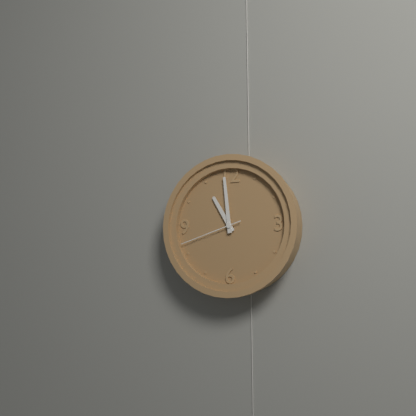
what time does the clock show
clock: 10:59:42
